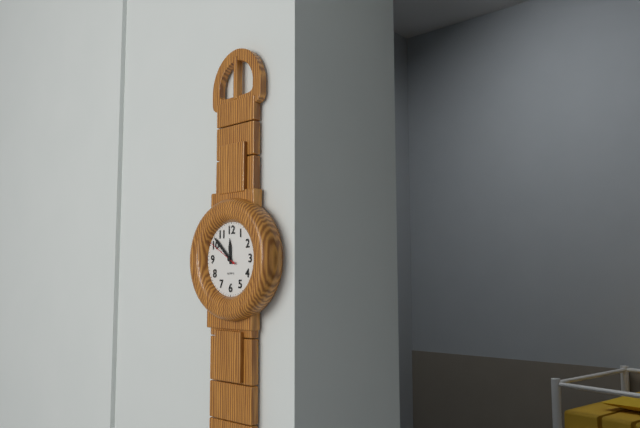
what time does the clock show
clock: 11:52
